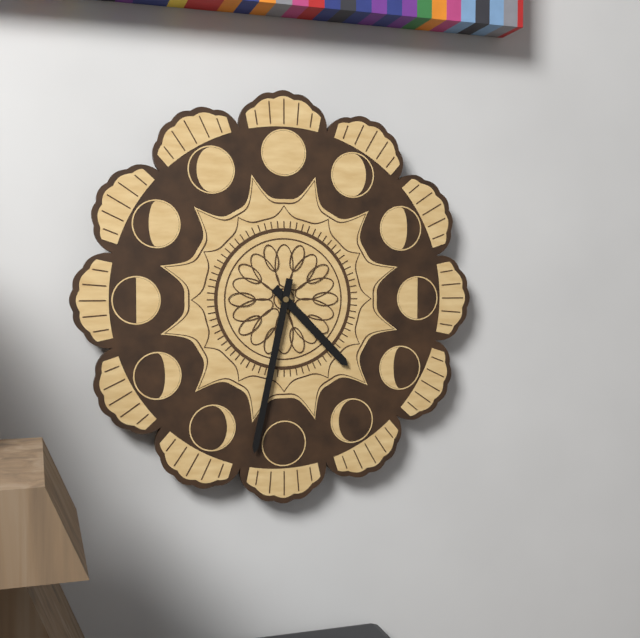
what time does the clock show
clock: 4:32
